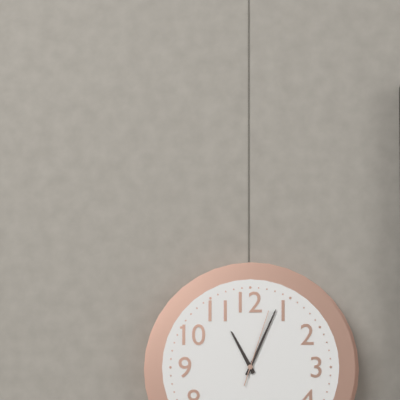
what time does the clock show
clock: 11:04:03
